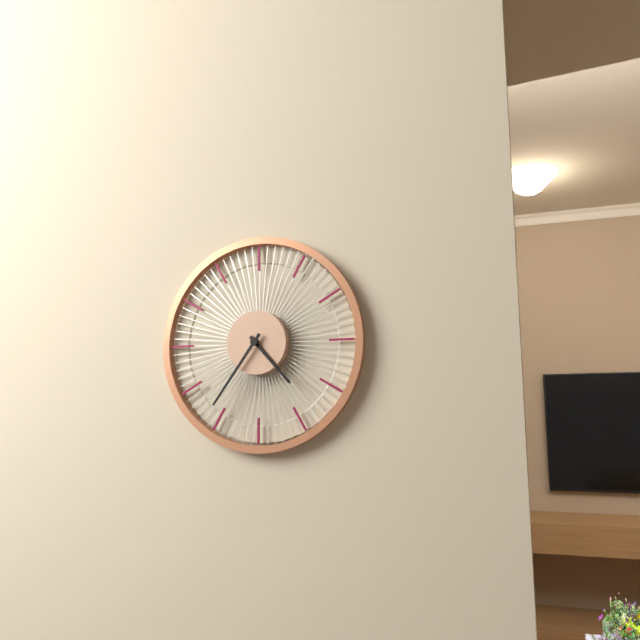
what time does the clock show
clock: 4:36
